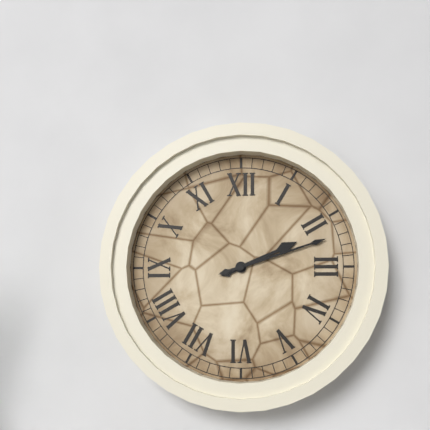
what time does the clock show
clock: 2:12
